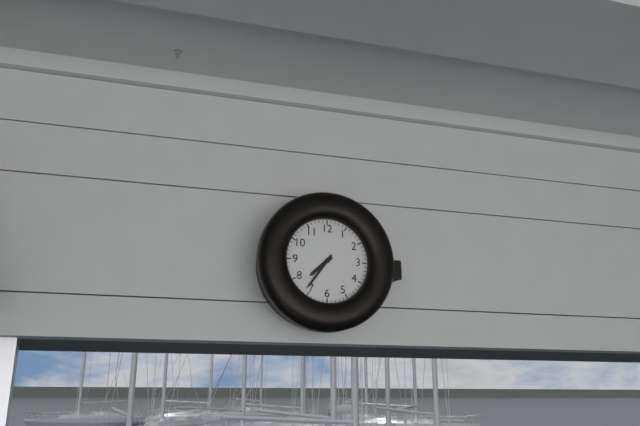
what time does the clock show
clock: 7:36
